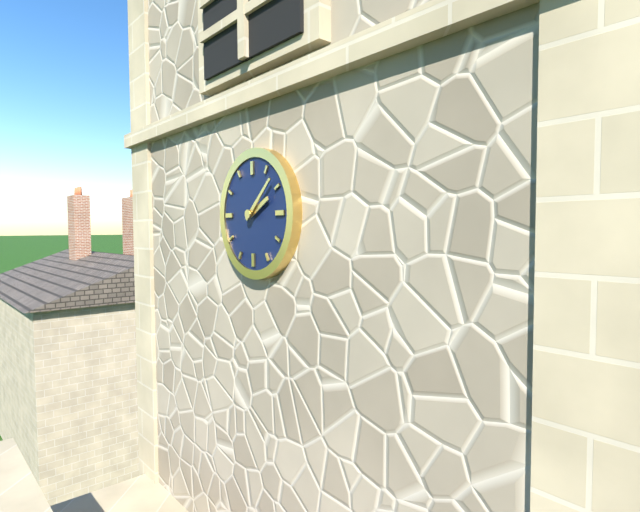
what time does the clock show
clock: 2:08
